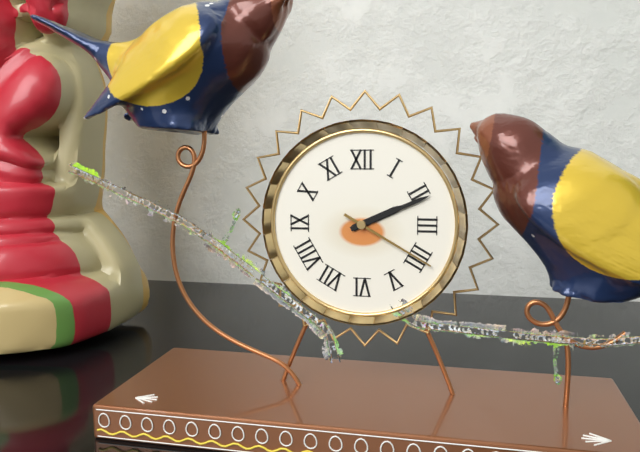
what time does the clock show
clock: 2:11:20
